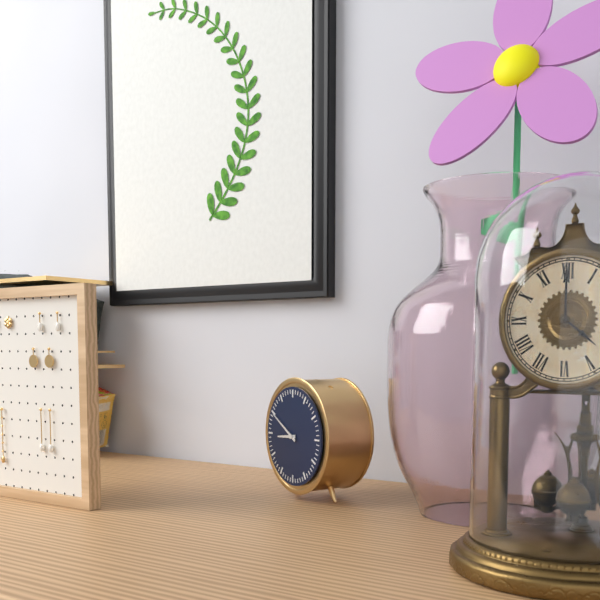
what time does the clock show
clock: 8:50
